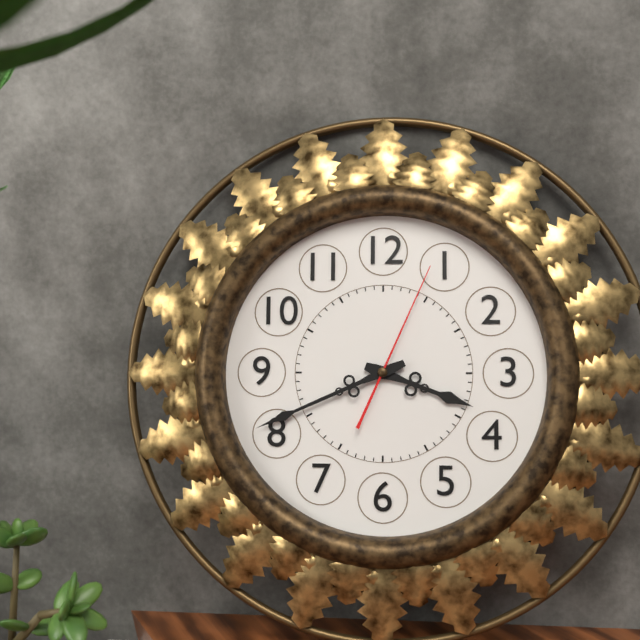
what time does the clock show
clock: 3:41:04
